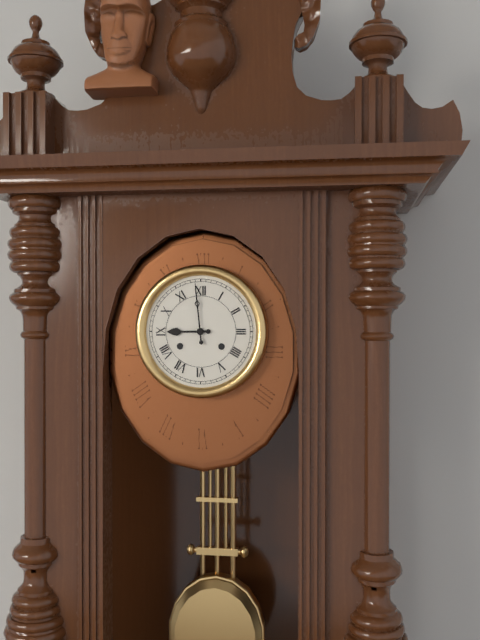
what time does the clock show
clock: 8:59
